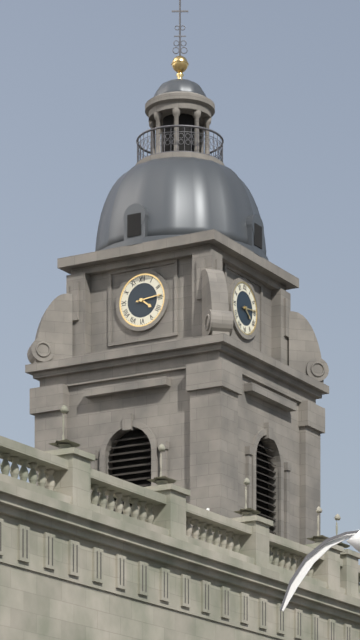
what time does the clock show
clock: 4:14
